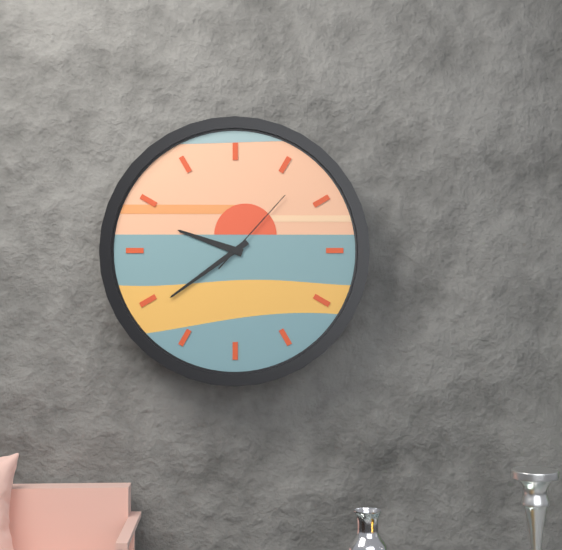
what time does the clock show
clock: 9:39:07
